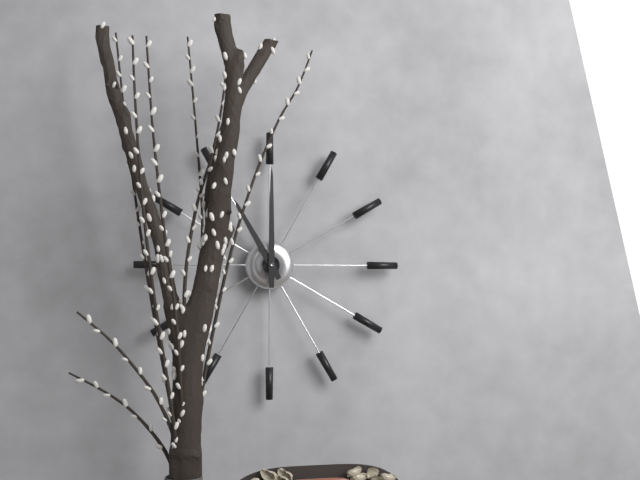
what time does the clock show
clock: 11:00
